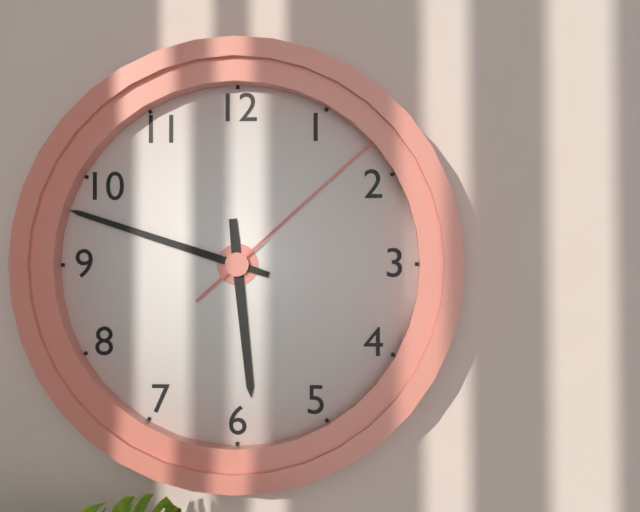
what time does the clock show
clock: 5:48:08
